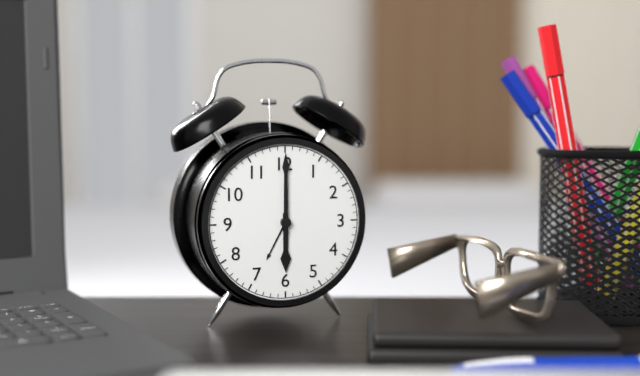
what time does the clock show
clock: 6:00
